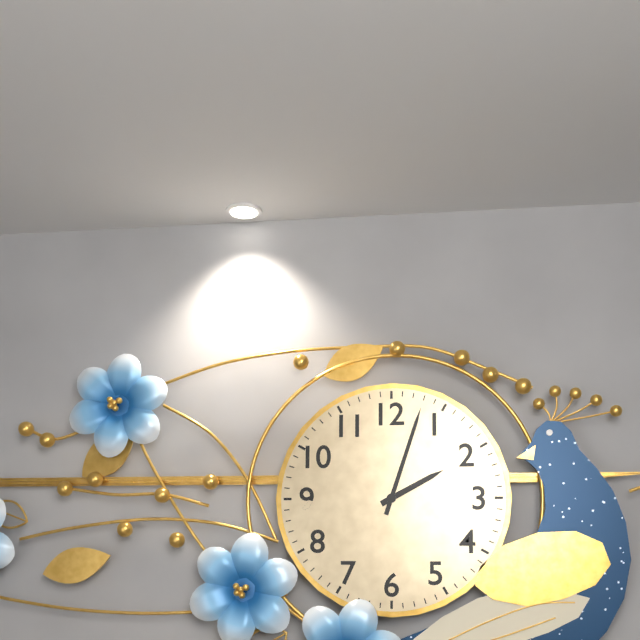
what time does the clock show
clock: 2:03
